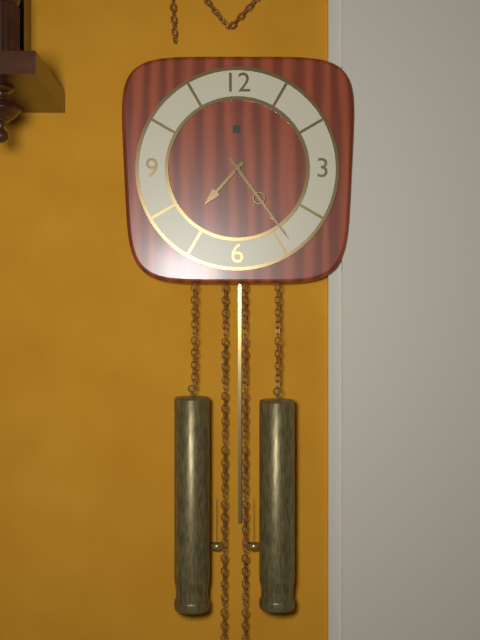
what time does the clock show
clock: 7:24
